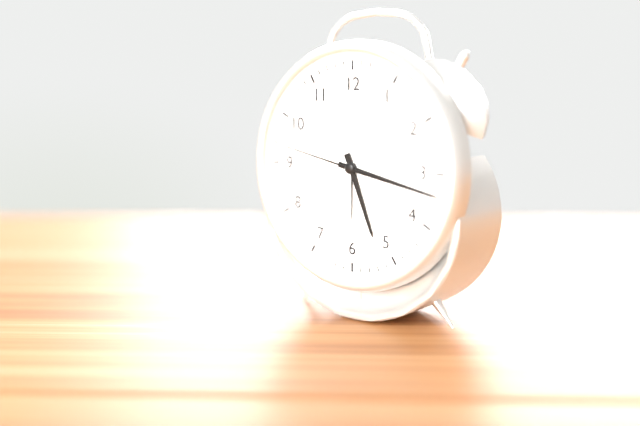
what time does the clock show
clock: 5:17:47
